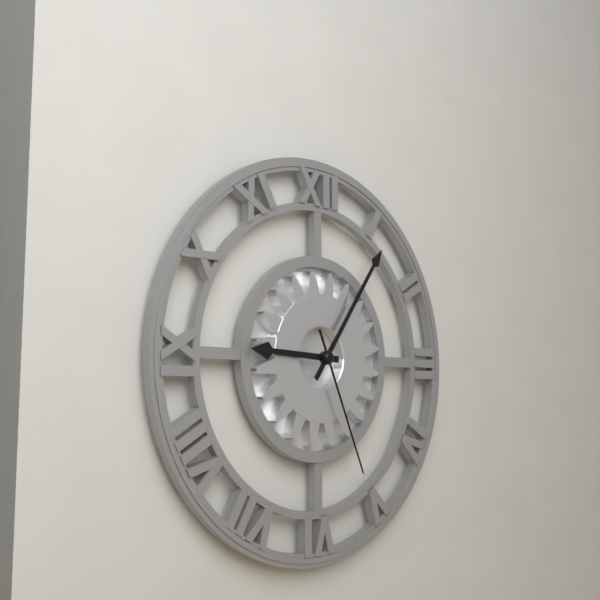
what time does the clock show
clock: 9:06:26
